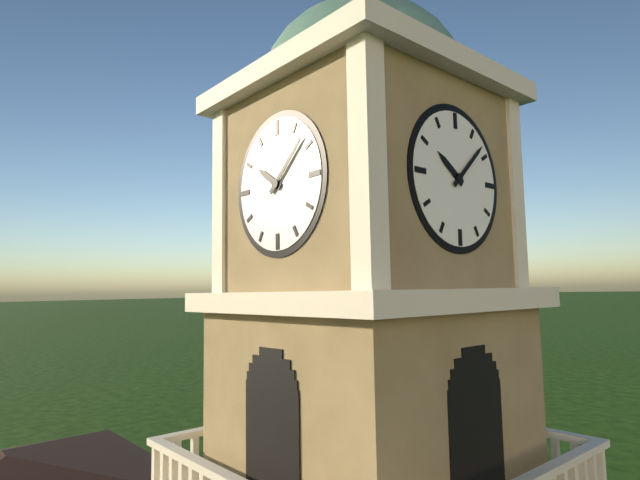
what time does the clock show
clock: 10:08
